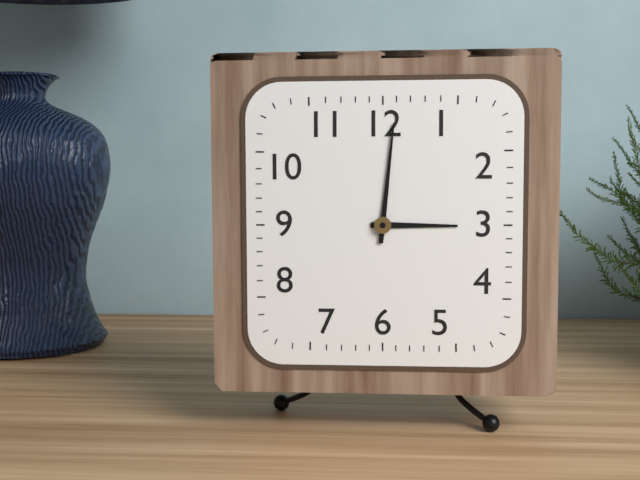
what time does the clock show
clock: 3:01
